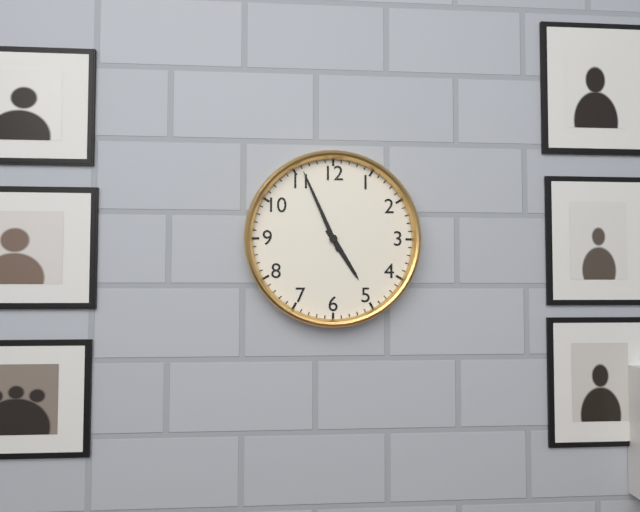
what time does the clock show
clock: 4:56
